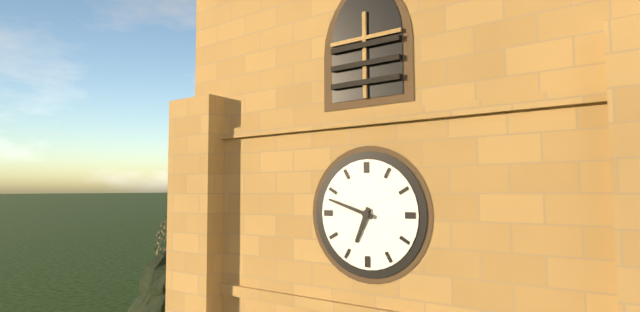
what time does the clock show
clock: 6:48
